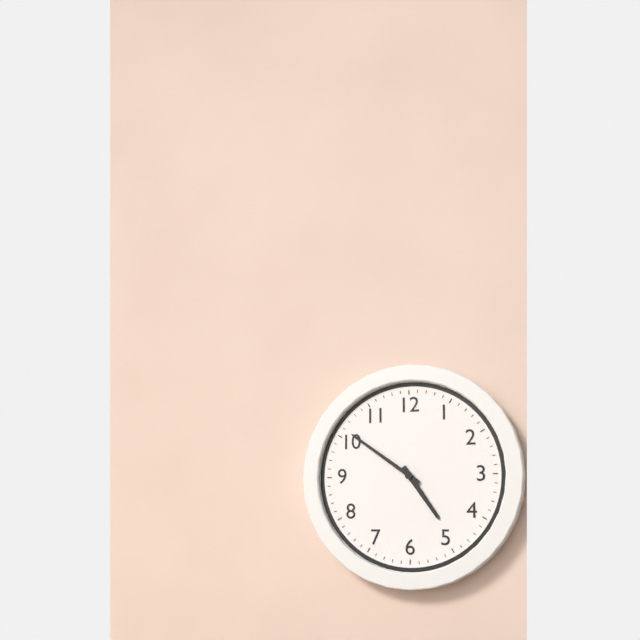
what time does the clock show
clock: 4:51
